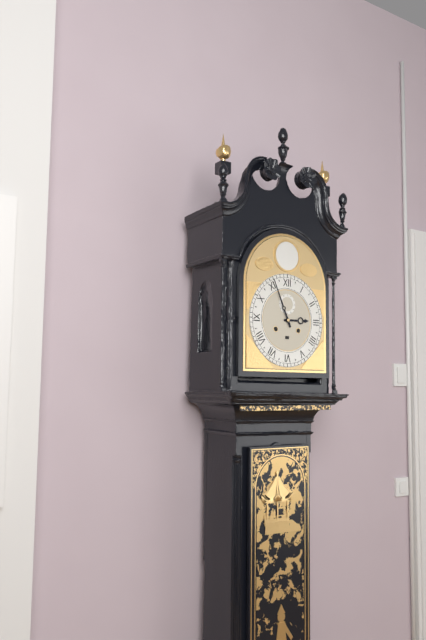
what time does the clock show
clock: 2:56
